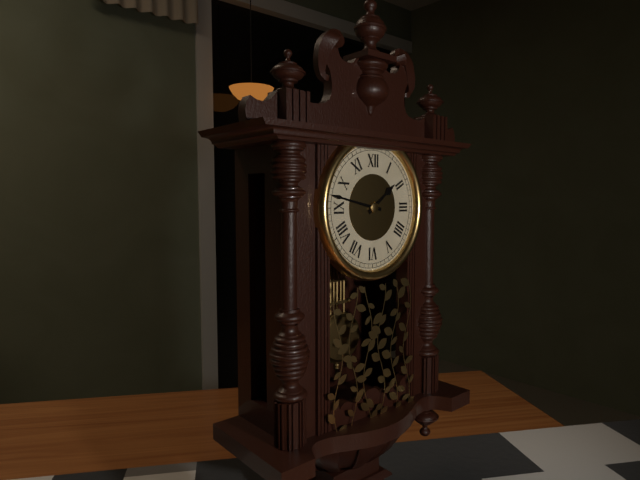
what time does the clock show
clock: 1:47
